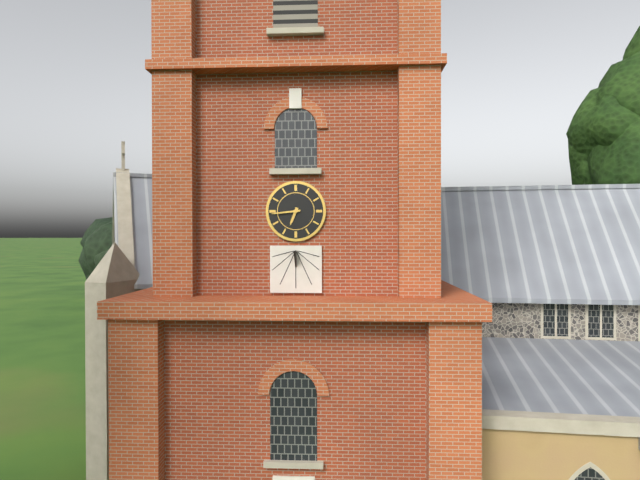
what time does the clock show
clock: 6:44
